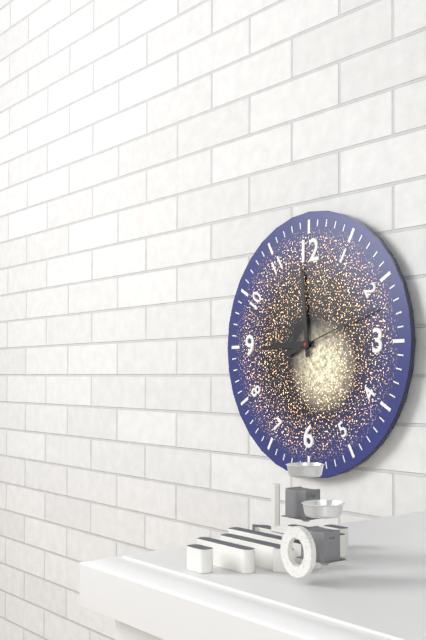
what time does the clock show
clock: 8:59:12
